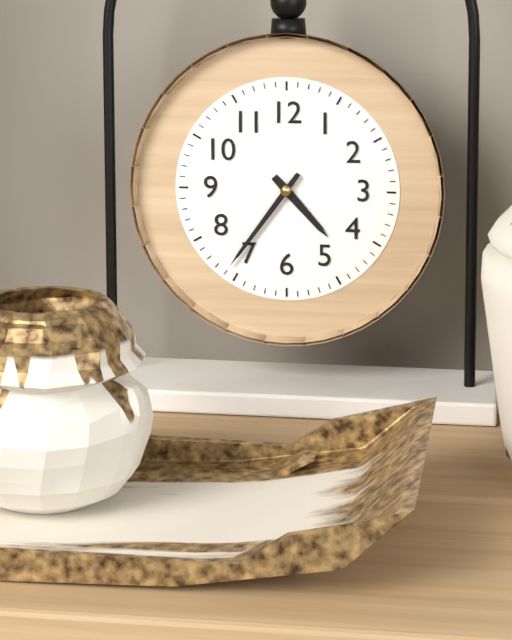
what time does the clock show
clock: 4:36
